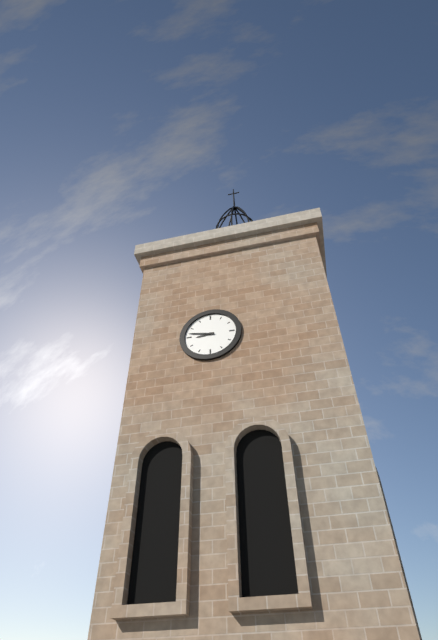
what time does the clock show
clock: 8:47
